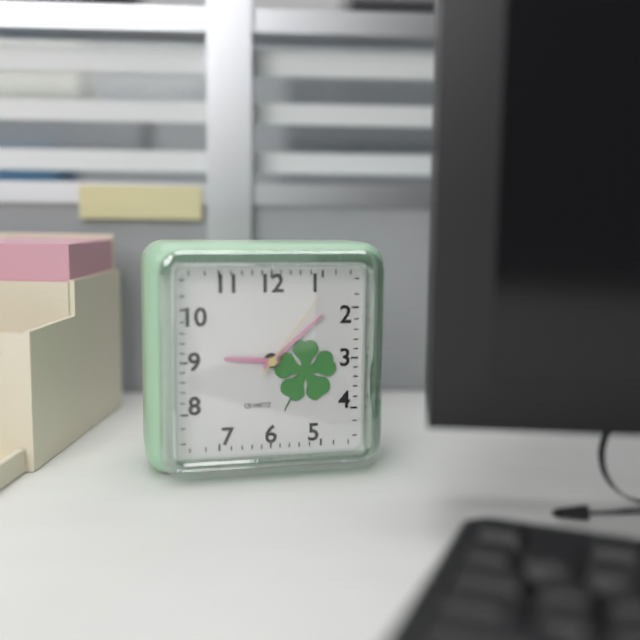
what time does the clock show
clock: 9:08:06
